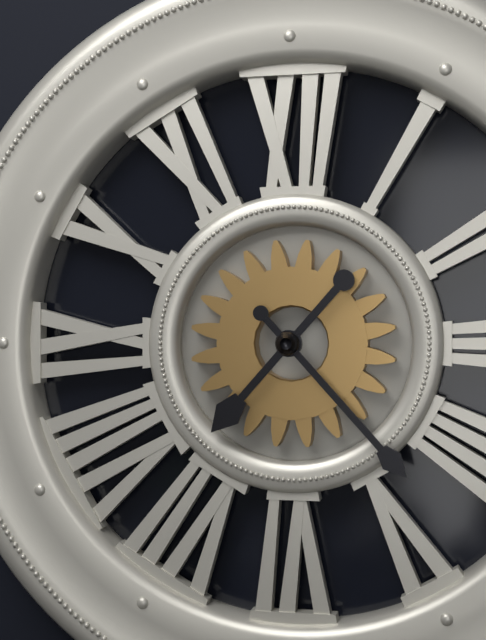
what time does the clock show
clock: 7:23
